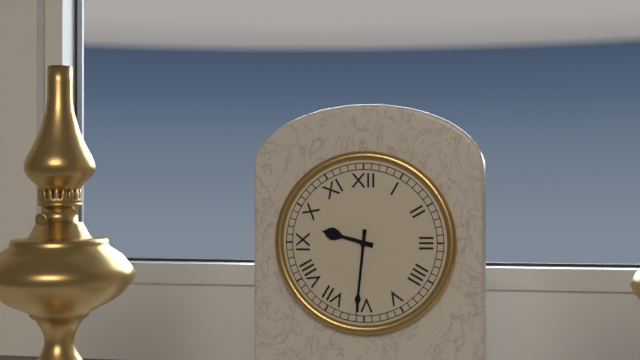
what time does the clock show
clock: 9:31
